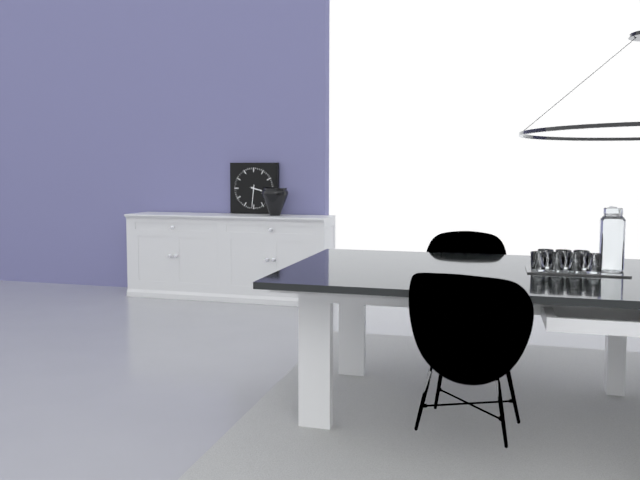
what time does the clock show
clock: 3:31
